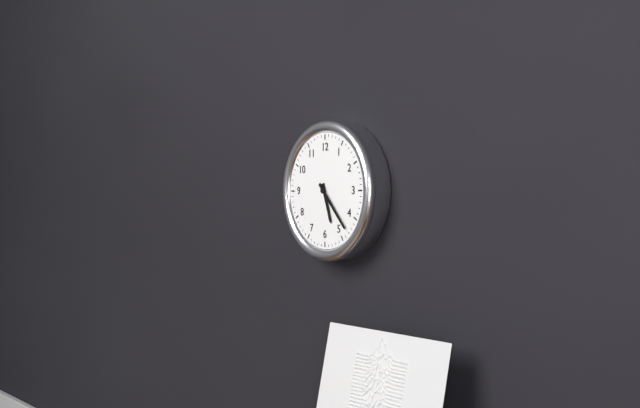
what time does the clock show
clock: 5:23
